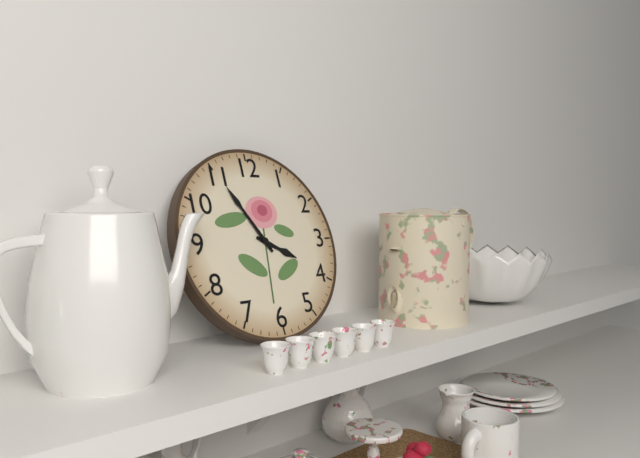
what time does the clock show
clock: 3:55
